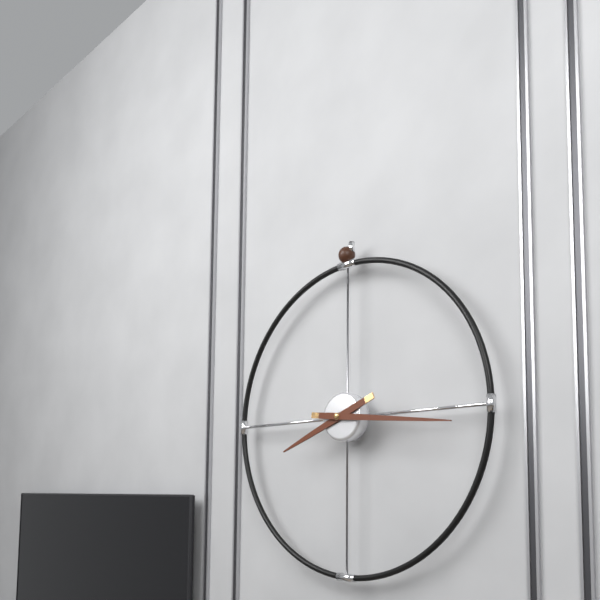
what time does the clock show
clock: 8:16
